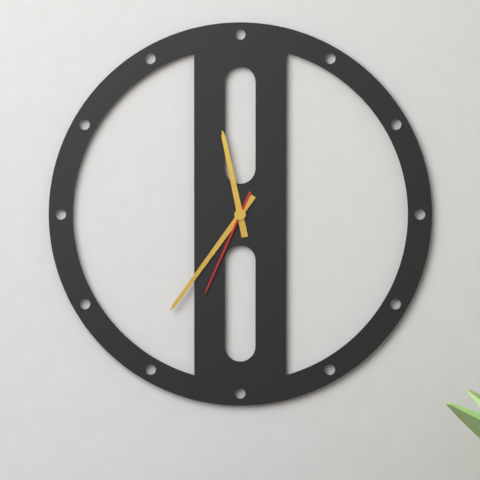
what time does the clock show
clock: 11:36:34
